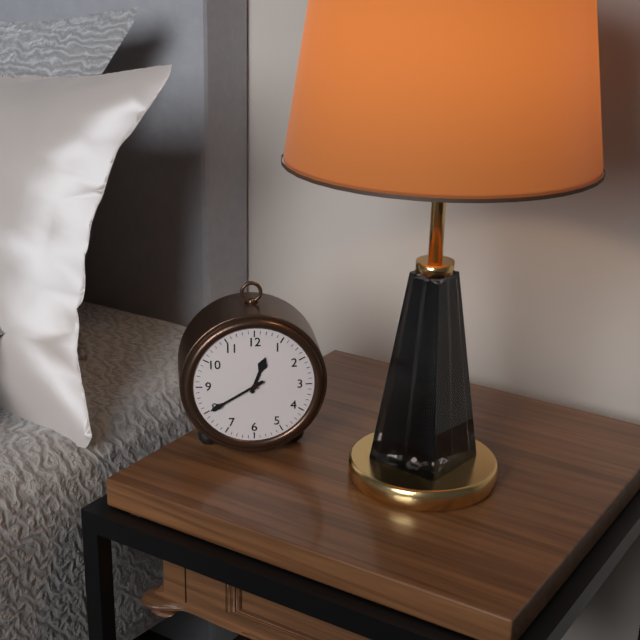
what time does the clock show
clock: 12:40
